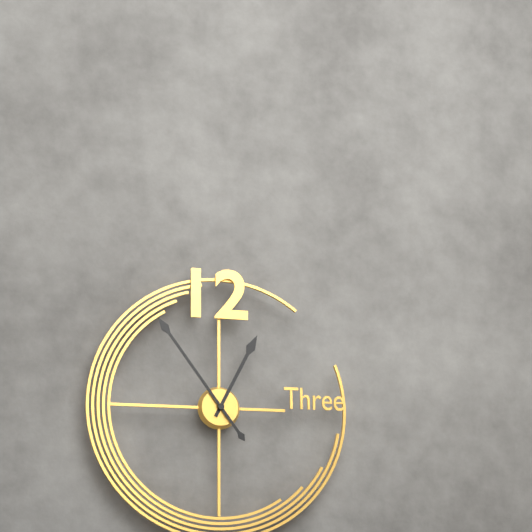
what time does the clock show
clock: 12:54
